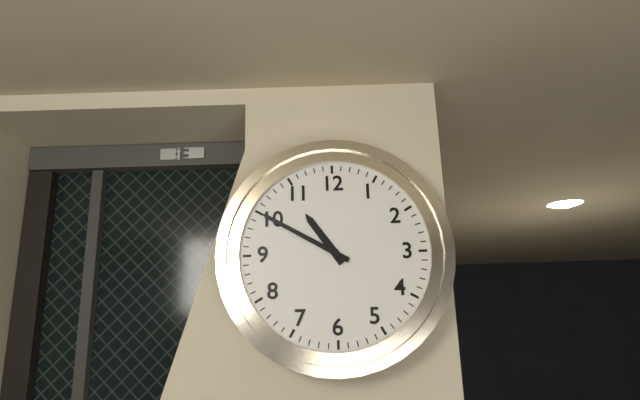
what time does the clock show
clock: 10:50
